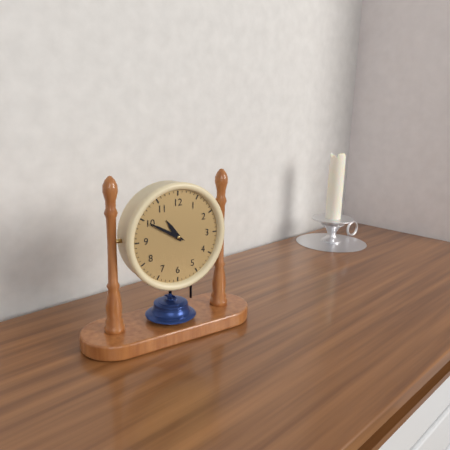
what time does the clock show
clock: 10:50
